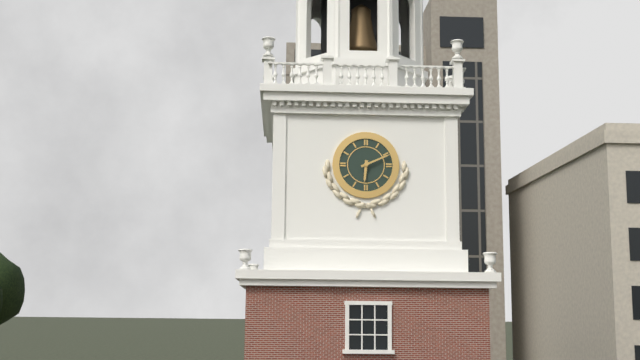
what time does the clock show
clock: 6:11
